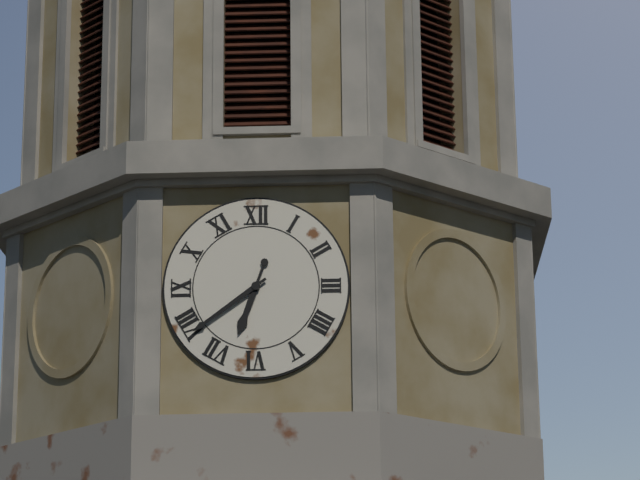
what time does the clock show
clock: 6:39
